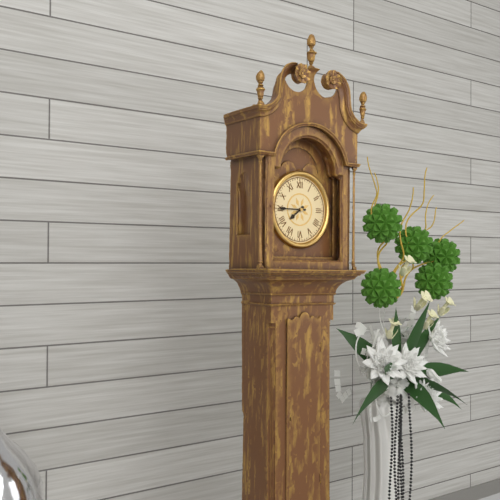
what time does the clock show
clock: 7:45
